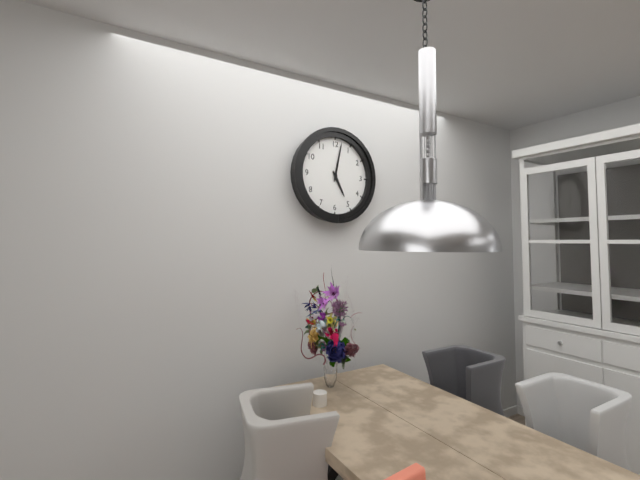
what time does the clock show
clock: 5:02
